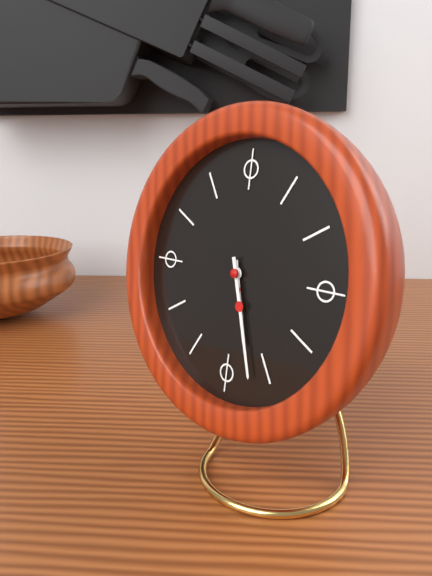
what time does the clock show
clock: 5:27
